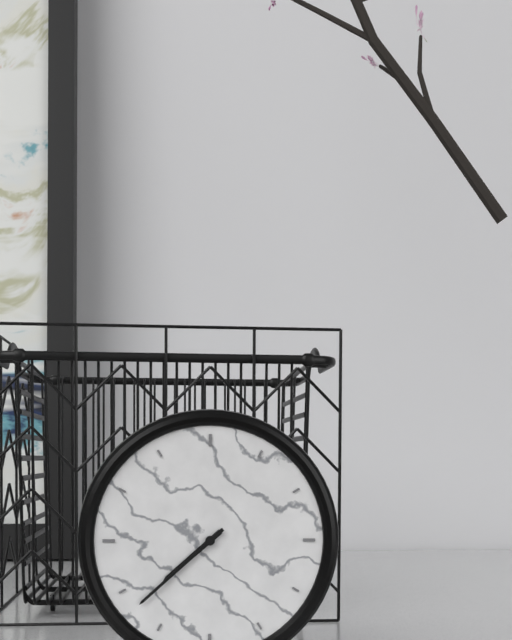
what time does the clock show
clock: 7:38
